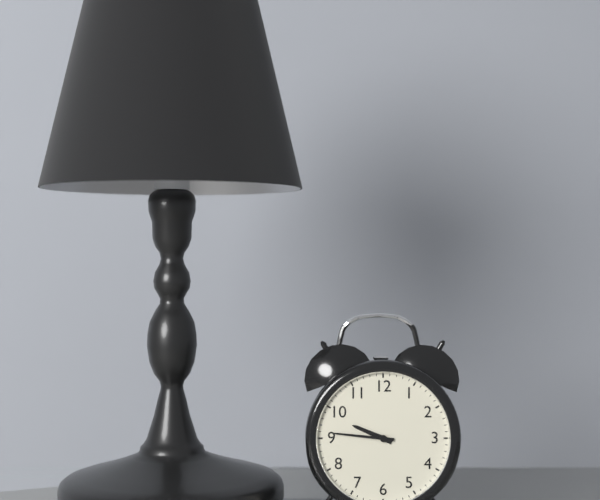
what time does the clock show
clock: 9:46
